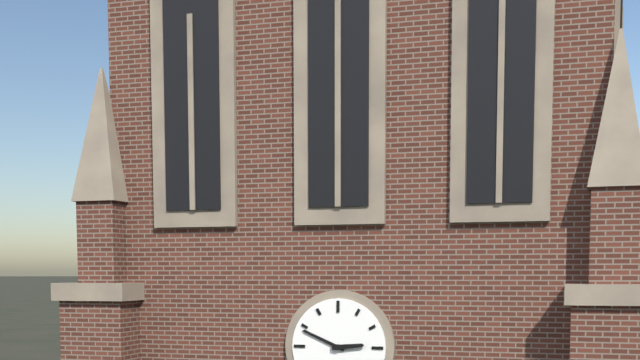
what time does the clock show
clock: 2:49
